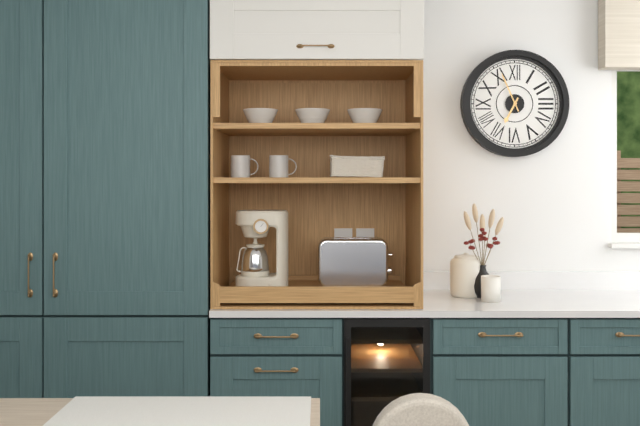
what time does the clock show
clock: 6:56
